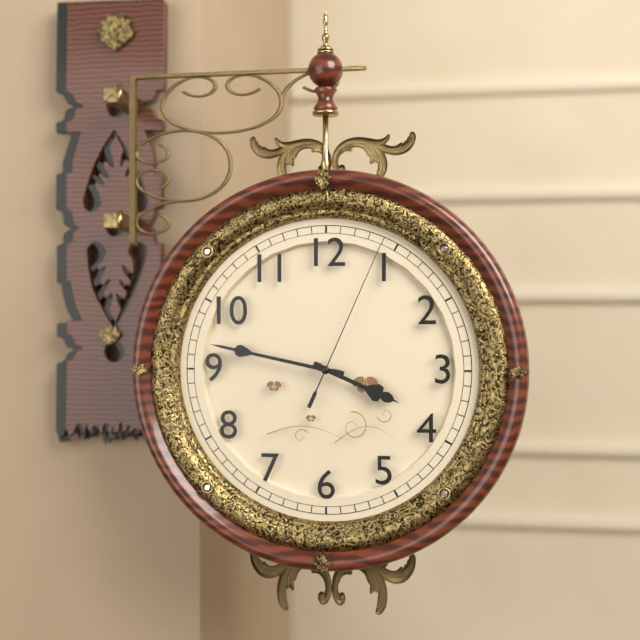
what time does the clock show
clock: 3:47:04
